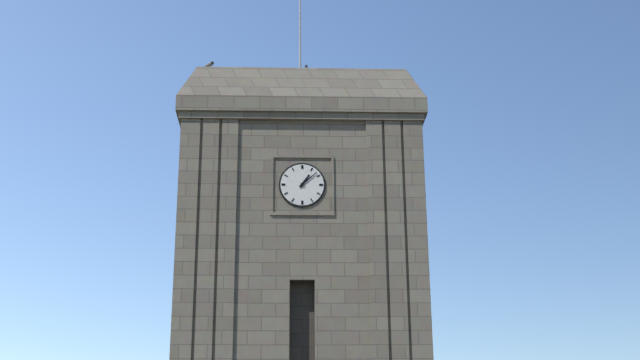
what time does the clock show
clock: 1:08
